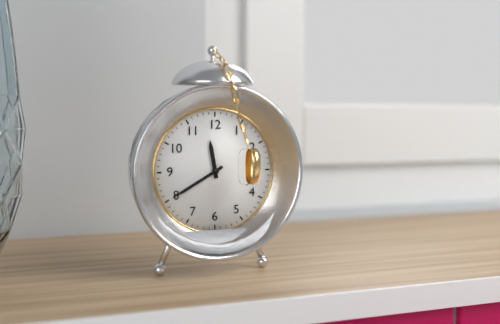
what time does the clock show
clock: 11:40
